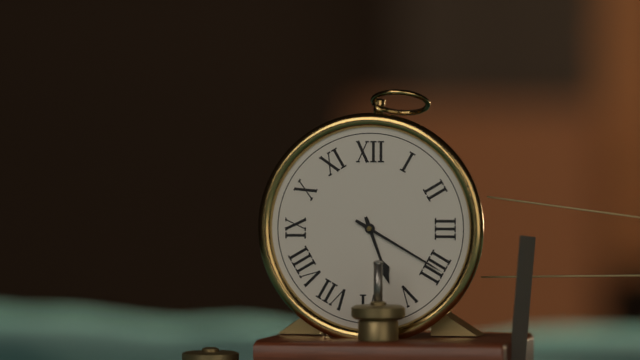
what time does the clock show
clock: 5:20
